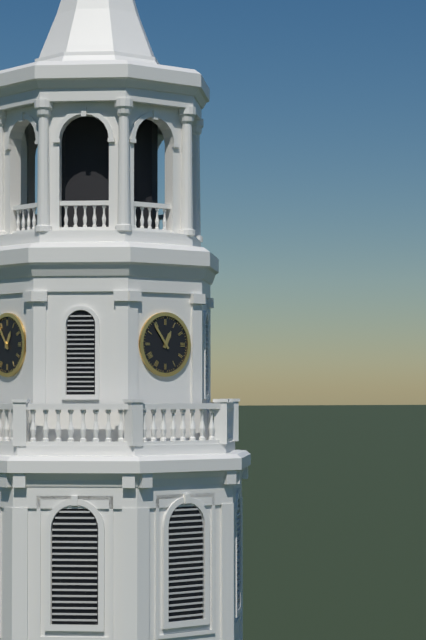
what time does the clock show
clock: 12:54
